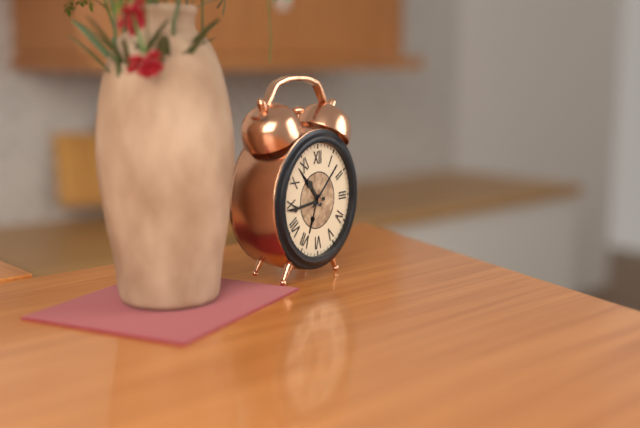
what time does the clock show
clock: 10:44
